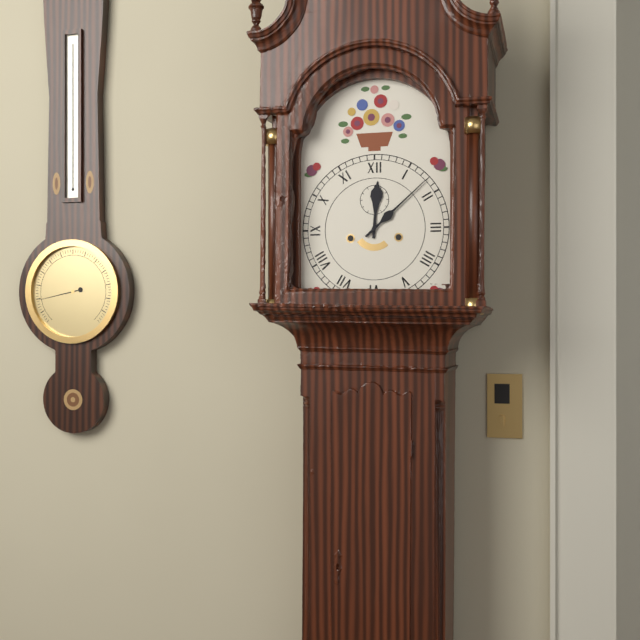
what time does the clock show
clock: 12:08
